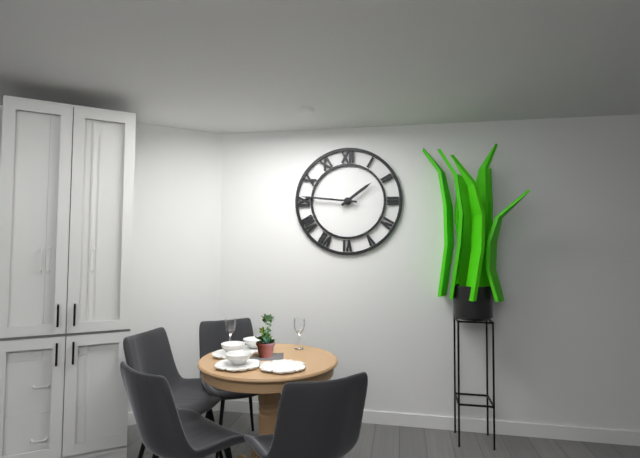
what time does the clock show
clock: 1:46
